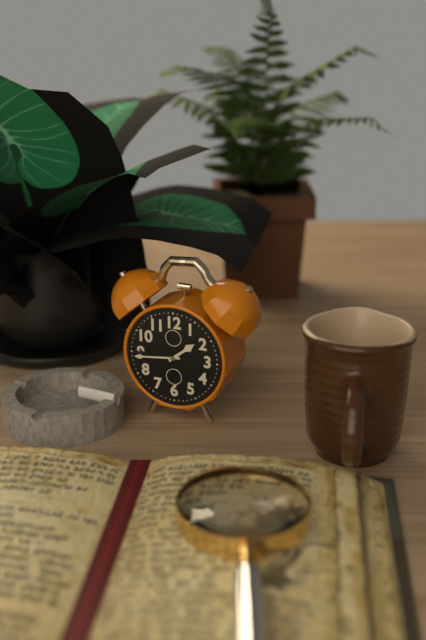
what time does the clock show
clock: 1:44
